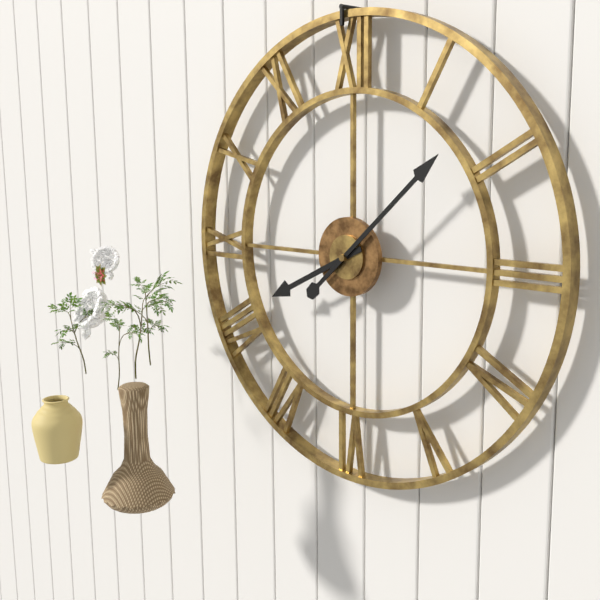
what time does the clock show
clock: 8:08
